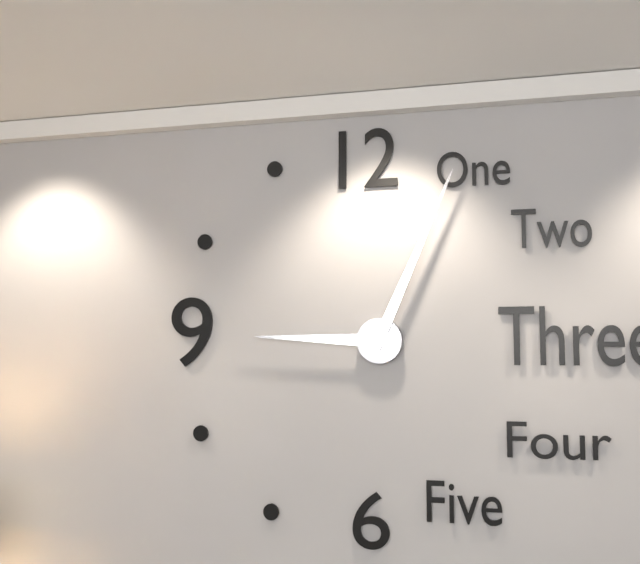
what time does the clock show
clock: 9:04
